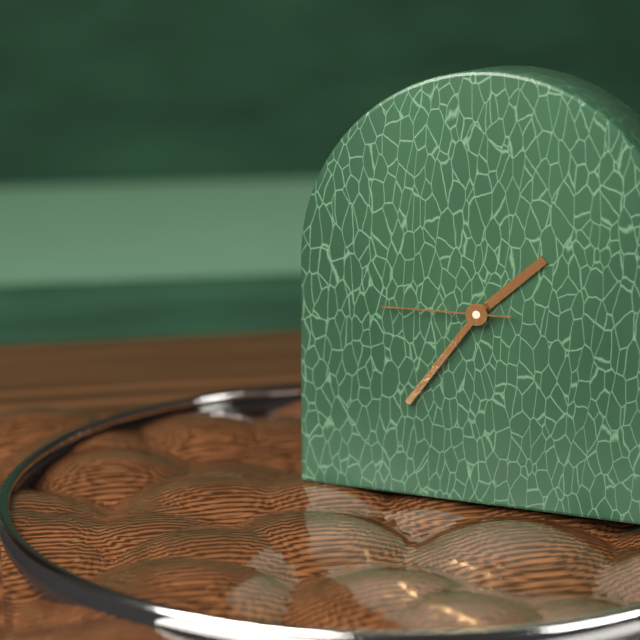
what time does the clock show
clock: 1:36:45
